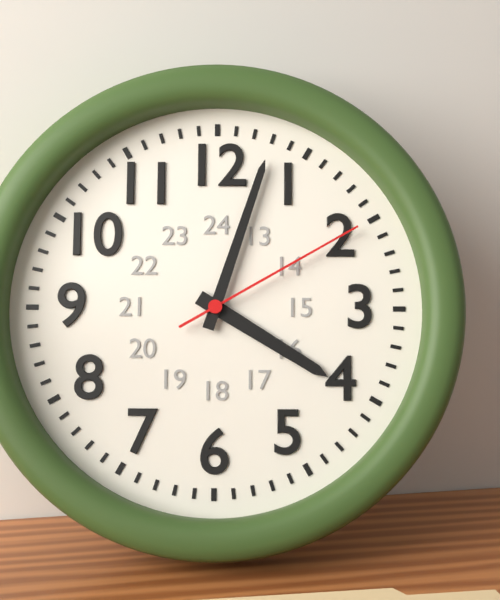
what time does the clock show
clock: 4:03:10
